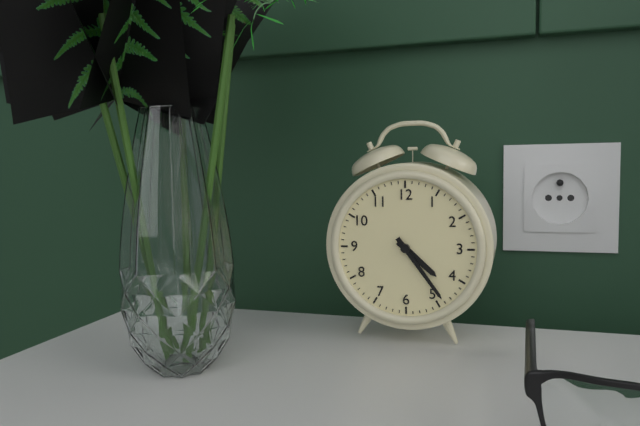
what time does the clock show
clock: 4:24
